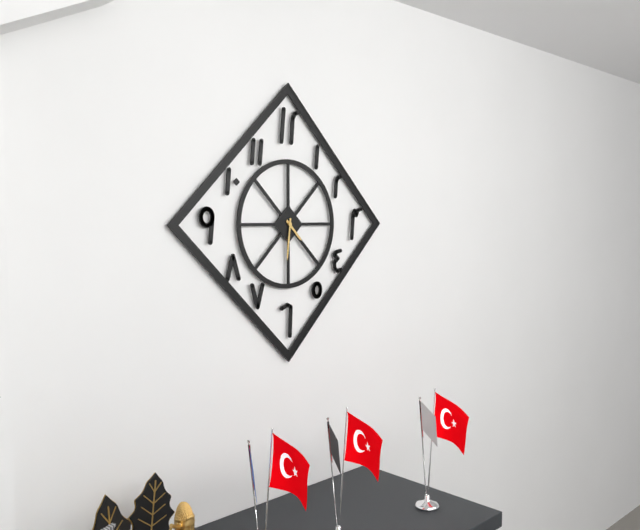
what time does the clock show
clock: 4:31
